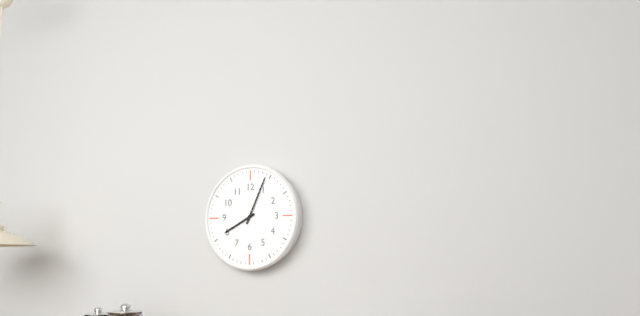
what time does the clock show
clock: 8:04
